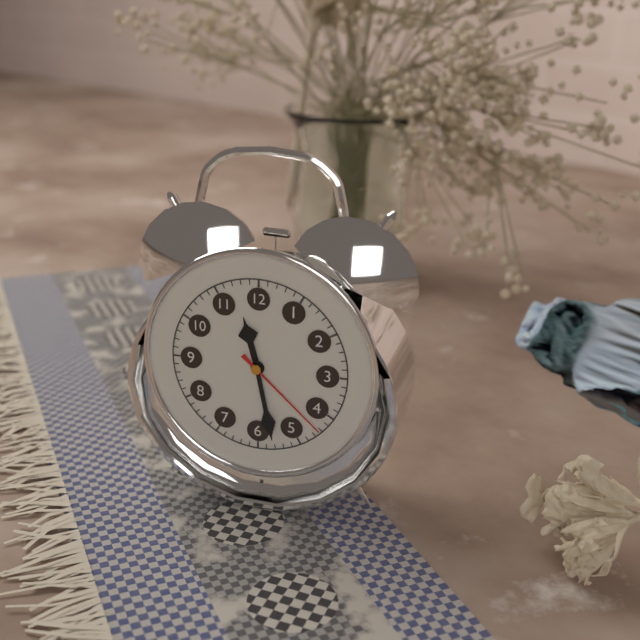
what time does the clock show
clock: 11:28:22
